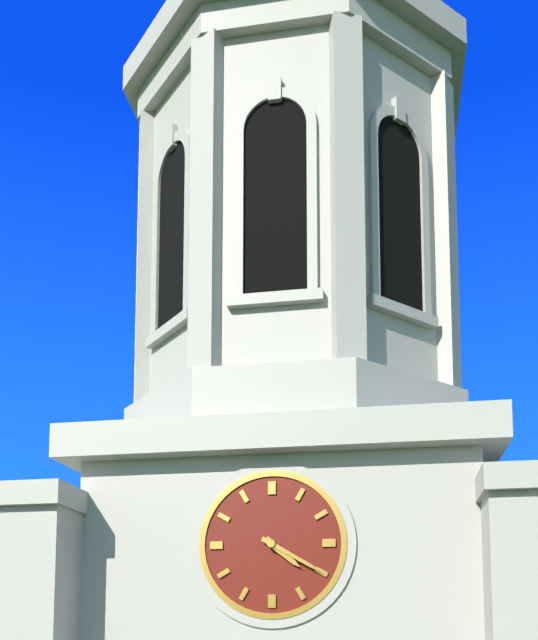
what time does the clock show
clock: 4:20
